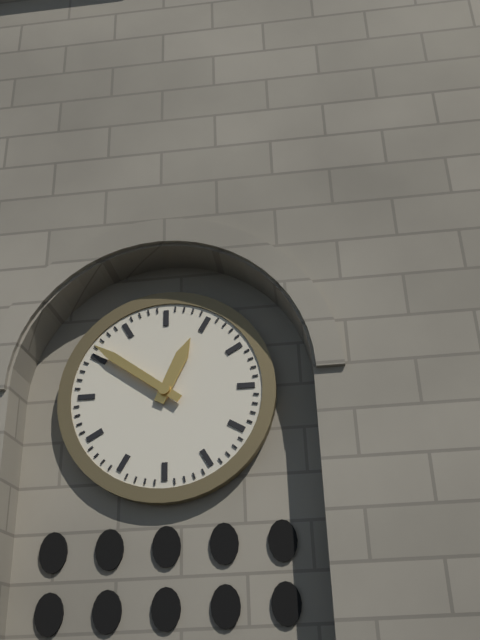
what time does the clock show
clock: 12:51
